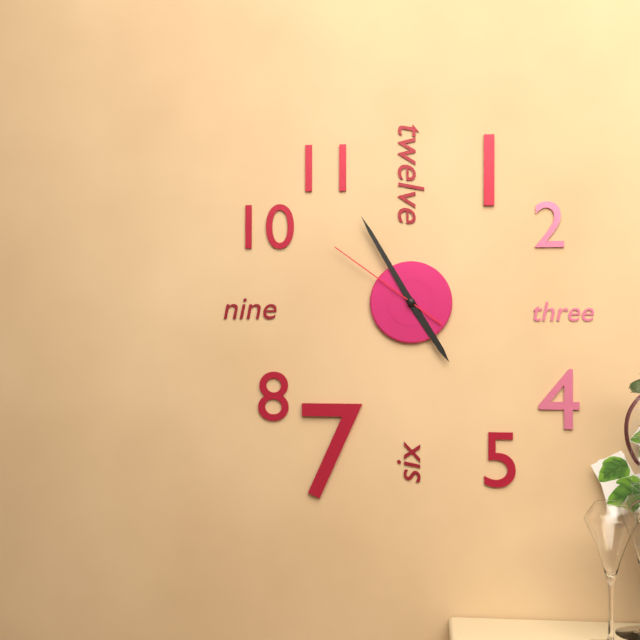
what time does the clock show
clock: 4:55:51
